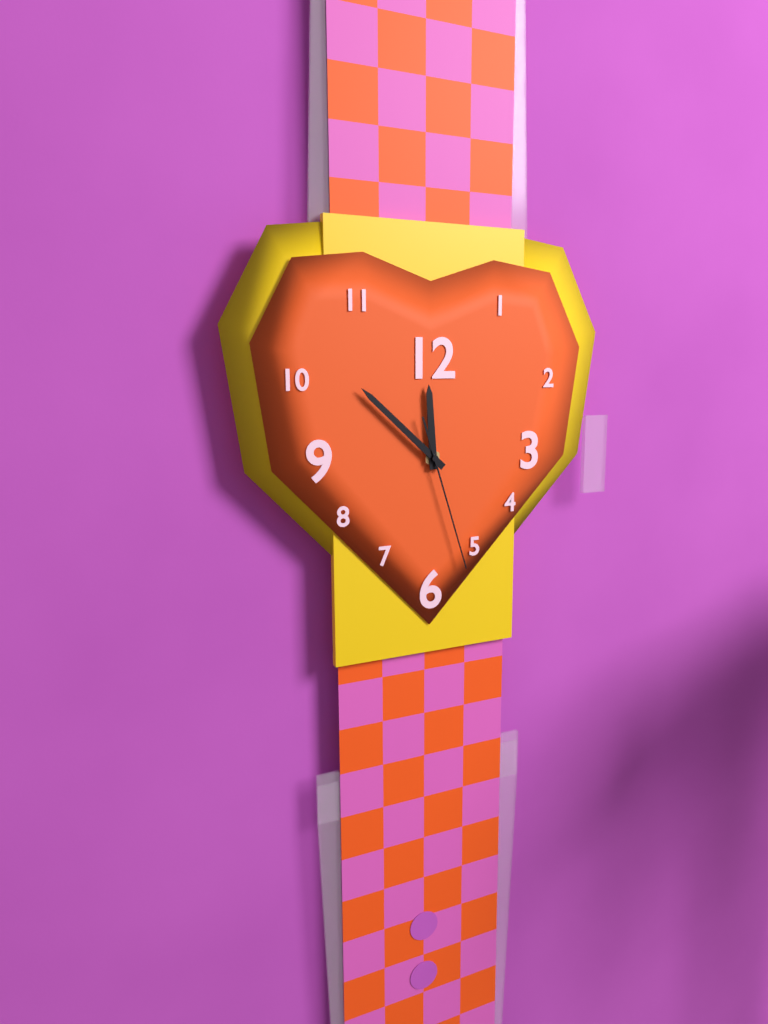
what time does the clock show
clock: 11:52:27
